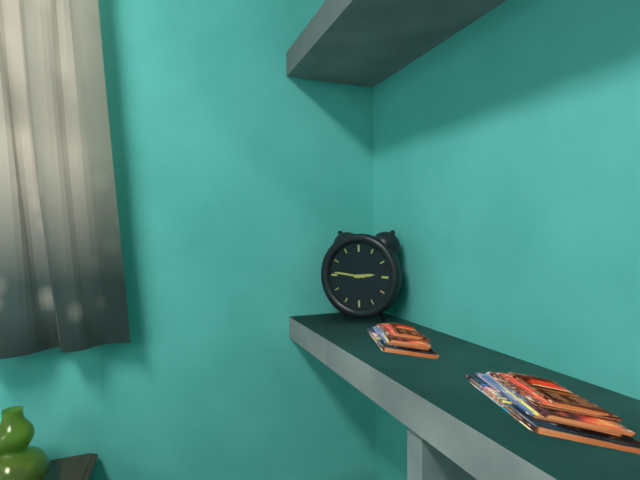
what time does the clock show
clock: 2:46
